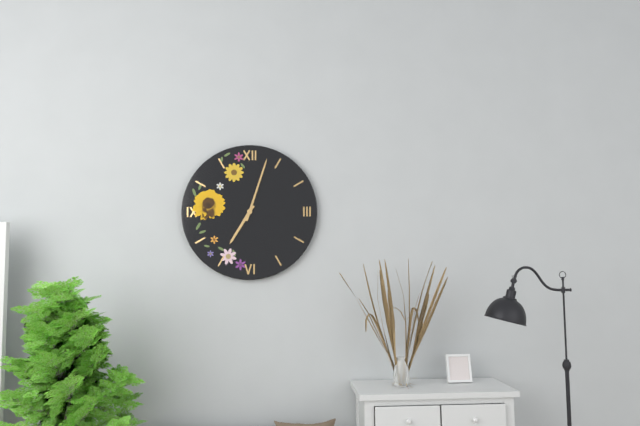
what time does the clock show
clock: 7:03
